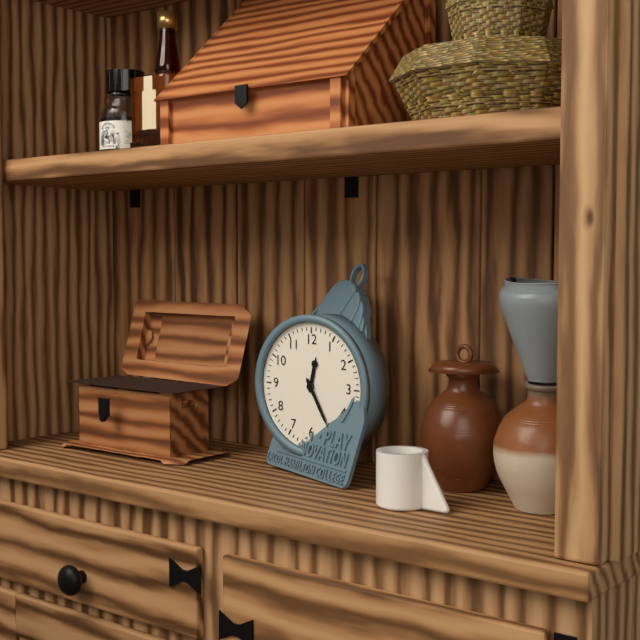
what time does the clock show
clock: 12:25
